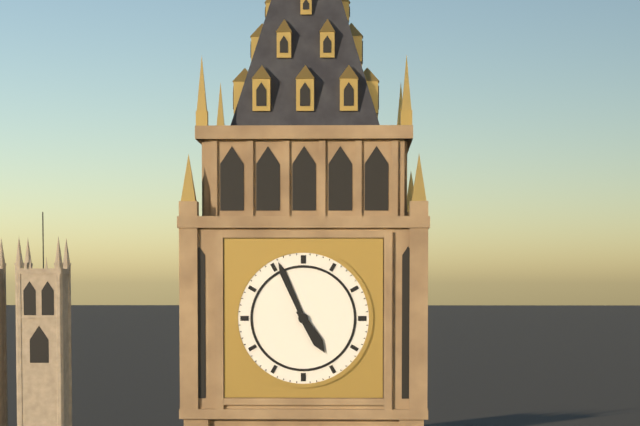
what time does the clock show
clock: 4:56
